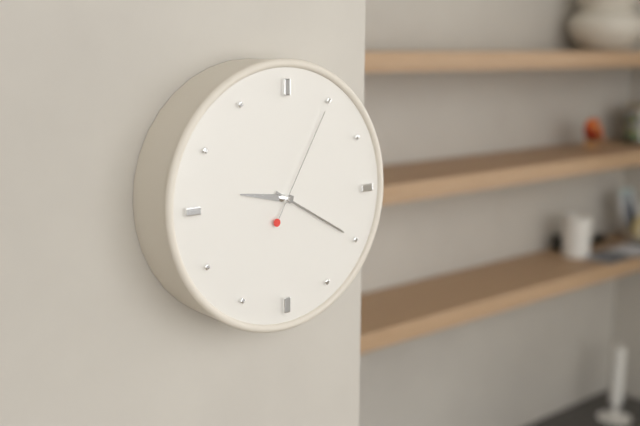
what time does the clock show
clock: 9:20:05
